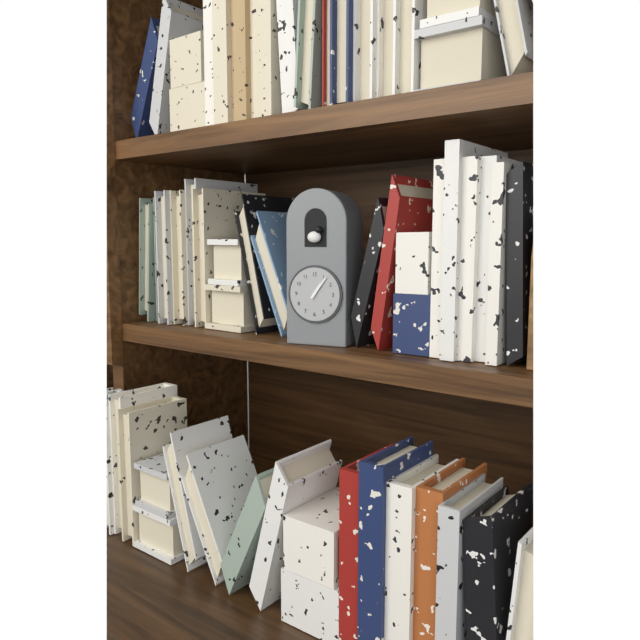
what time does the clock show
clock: 1:06
